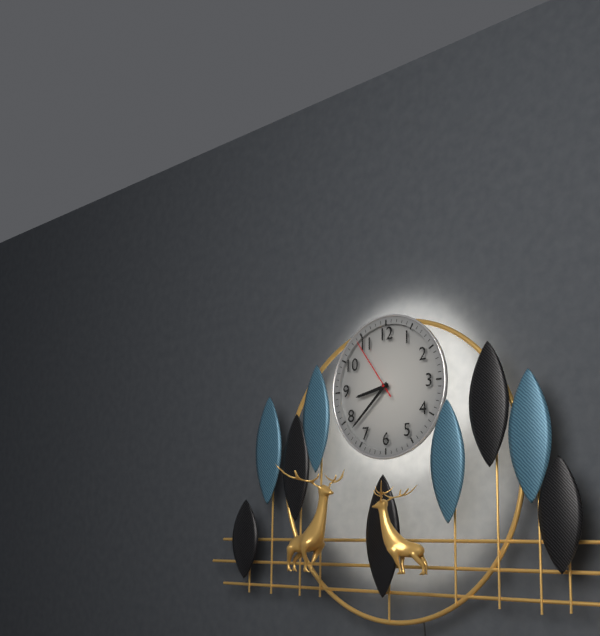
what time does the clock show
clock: 8:38:54
